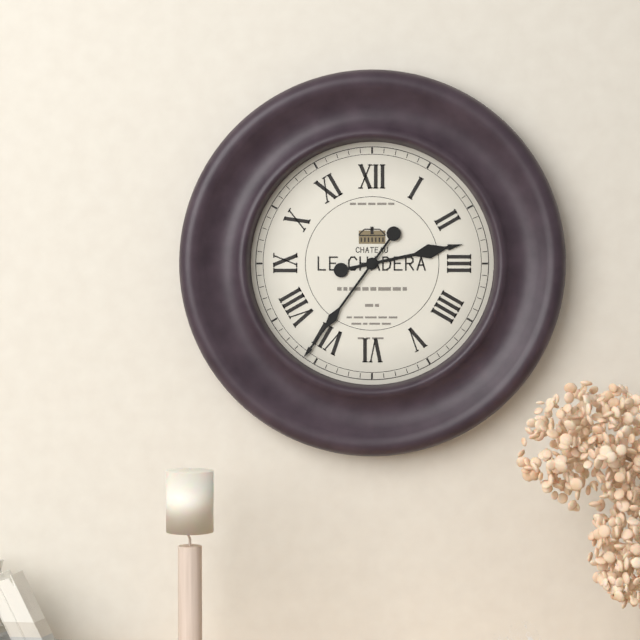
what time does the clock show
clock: 2:36
